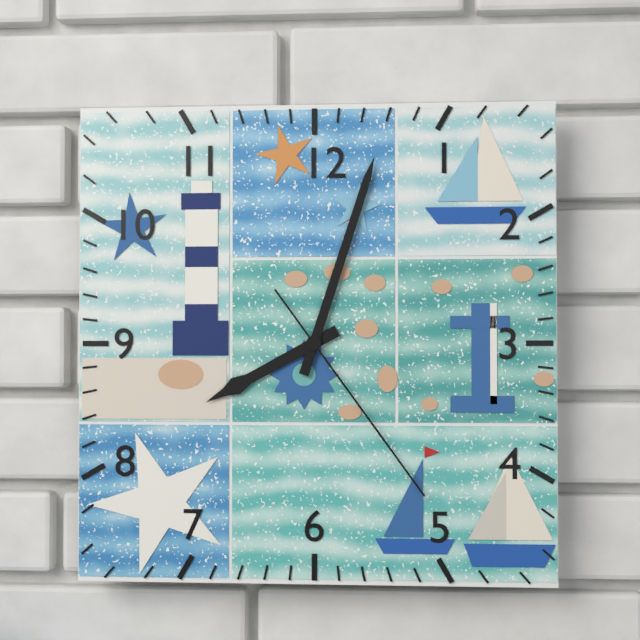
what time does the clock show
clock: 8:03:24
